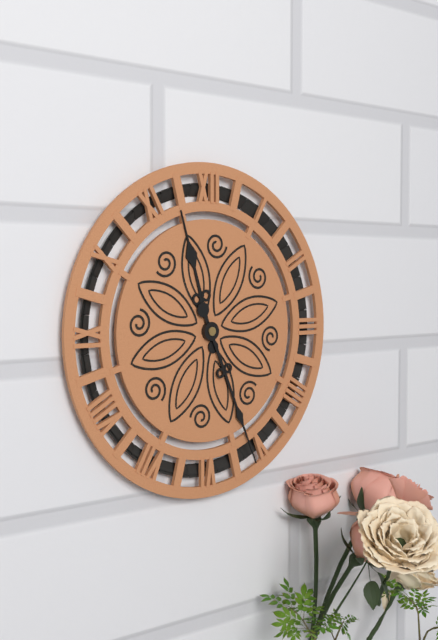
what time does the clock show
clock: 11:26
